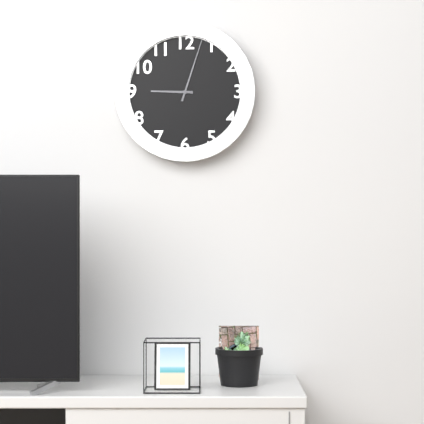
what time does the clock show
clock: 9:03
